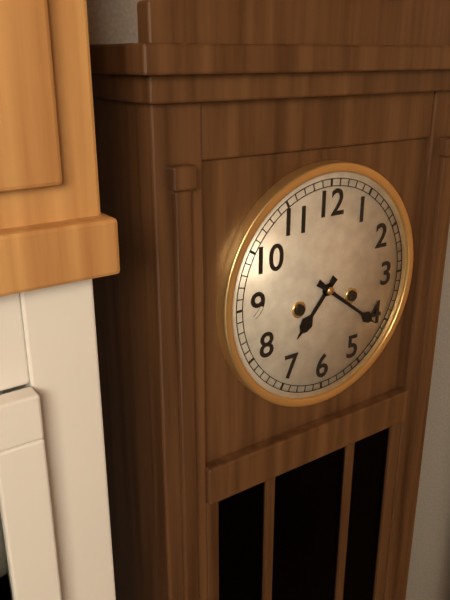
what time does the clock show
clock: 7:21
